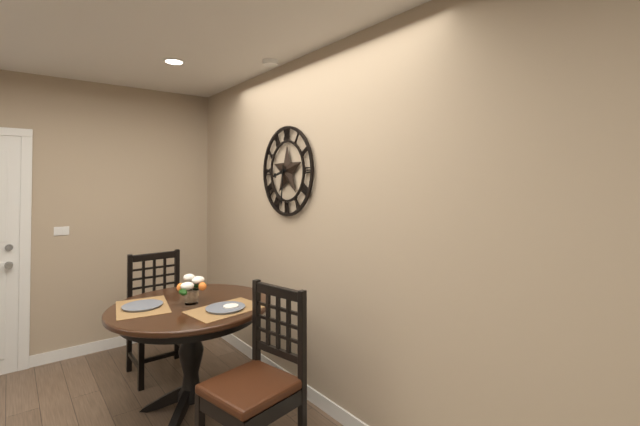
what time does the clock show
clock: 8:31
